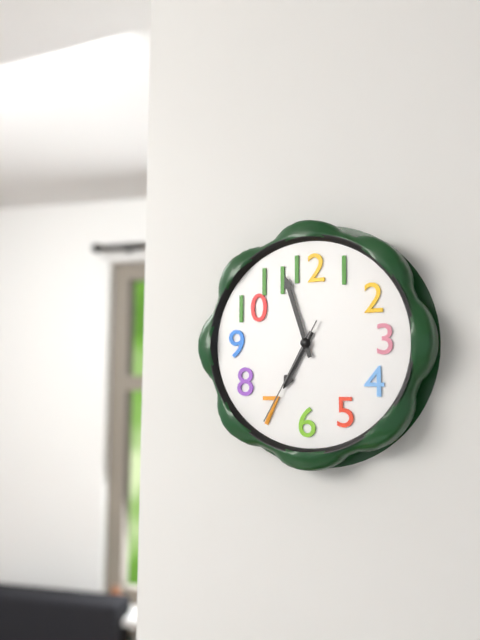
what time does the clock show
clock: 6:57:35
